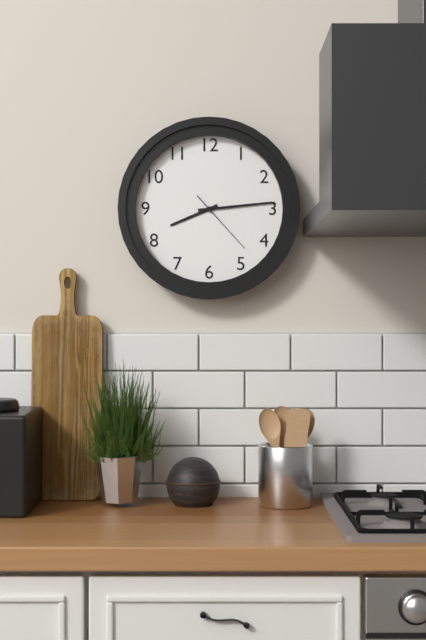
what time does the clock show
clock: 8:14:23
